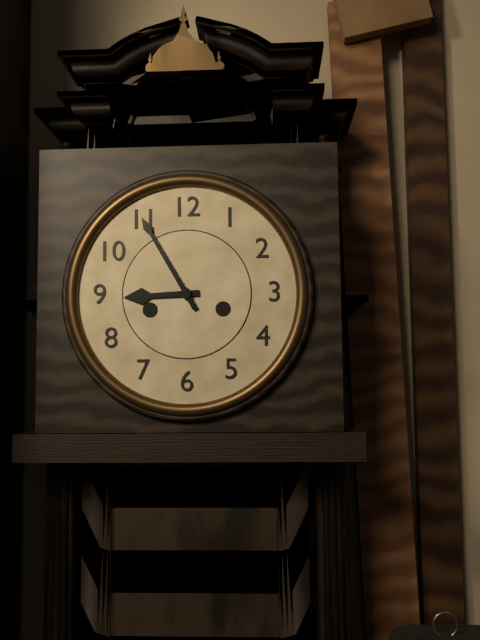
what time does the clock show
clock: 8:55
